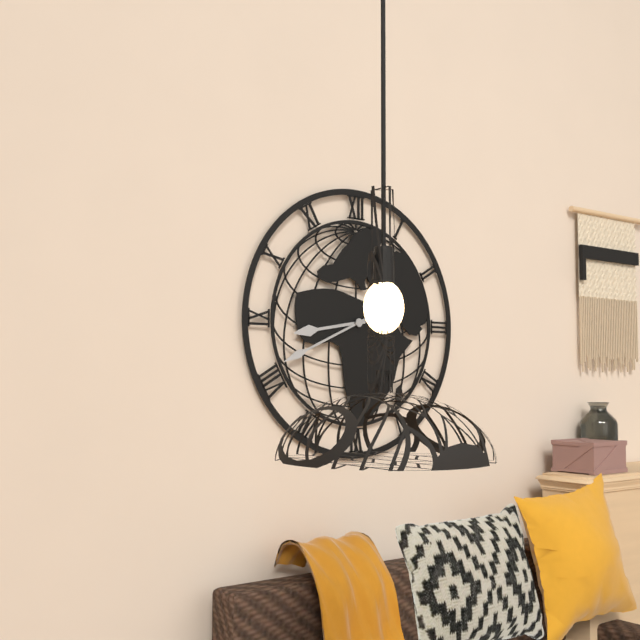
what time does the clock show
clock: 8:41
